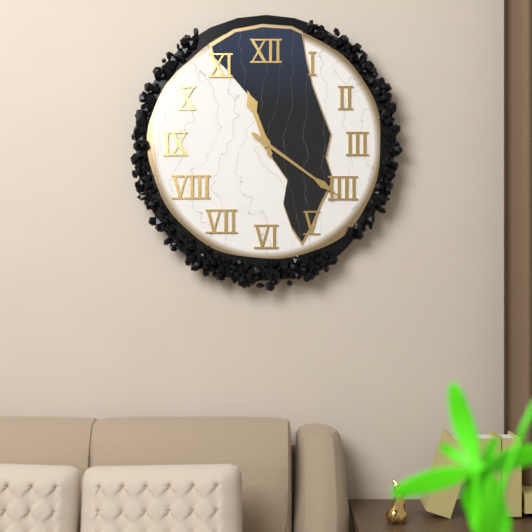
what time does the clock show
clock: 11:21
